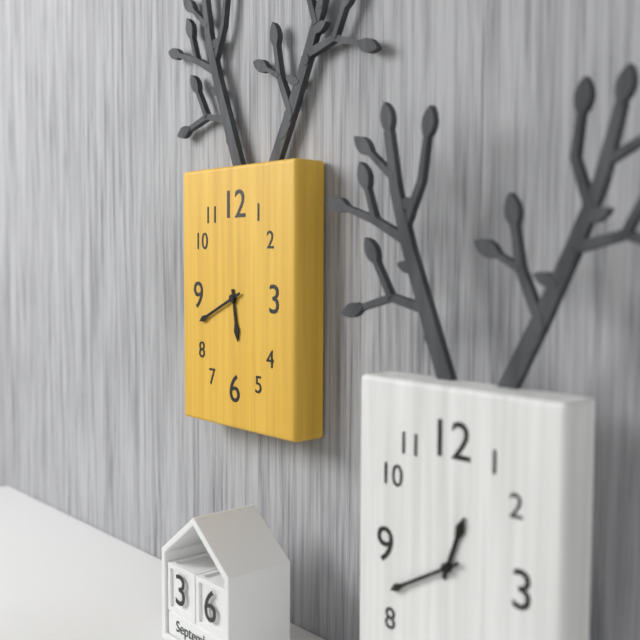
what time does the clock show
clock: 5:41
